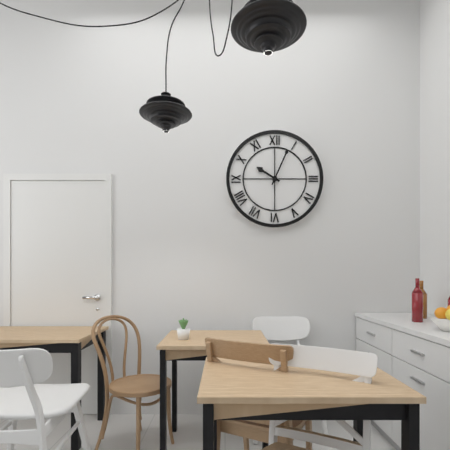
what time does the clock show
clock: 10:04
